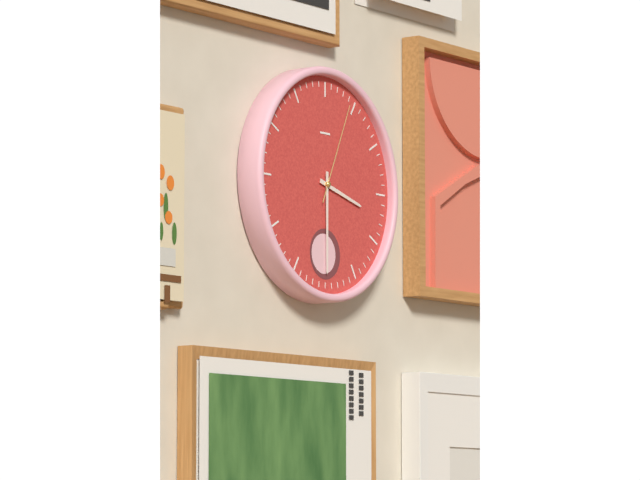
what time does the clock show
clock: 3:30:04
